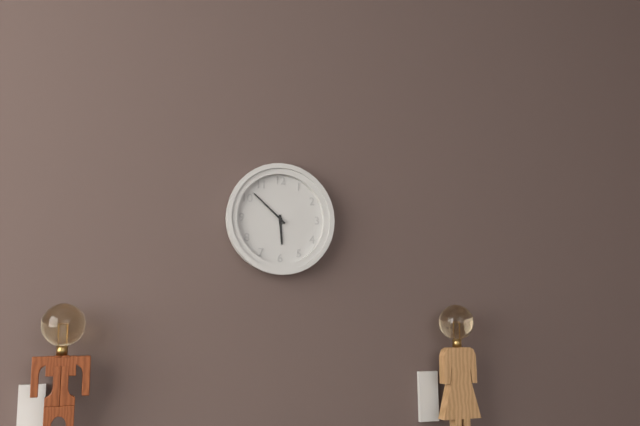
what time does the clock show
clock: 5:52
